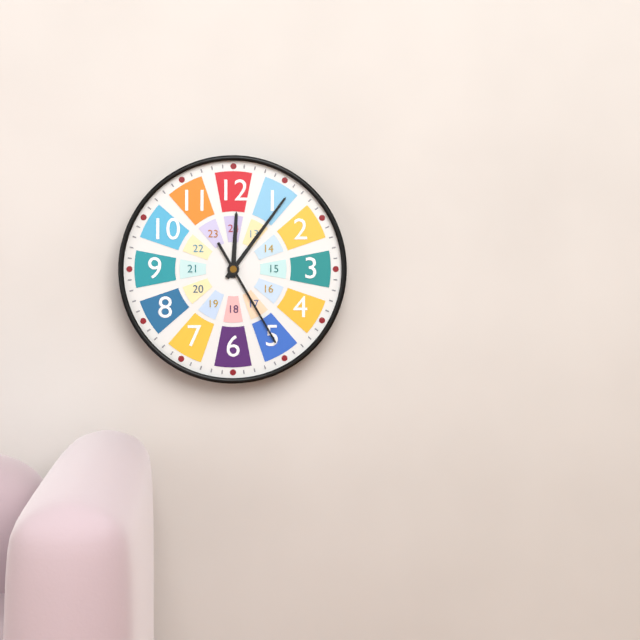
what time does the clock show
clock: 12:06:25
